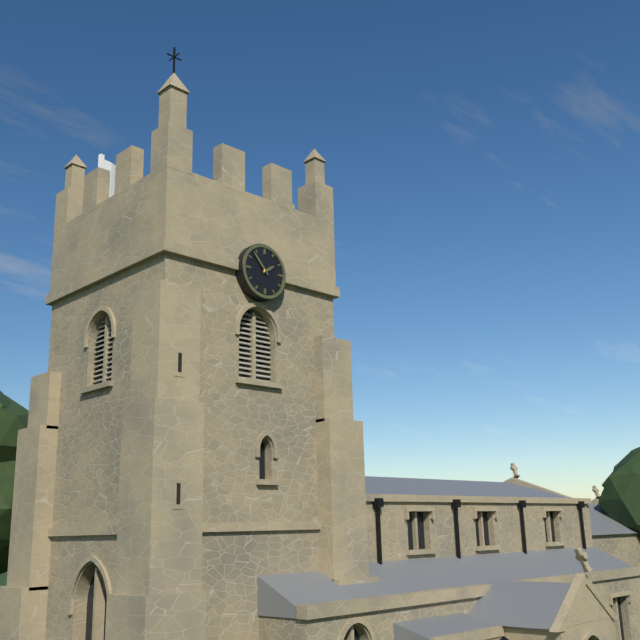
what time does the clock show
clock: 1:53
